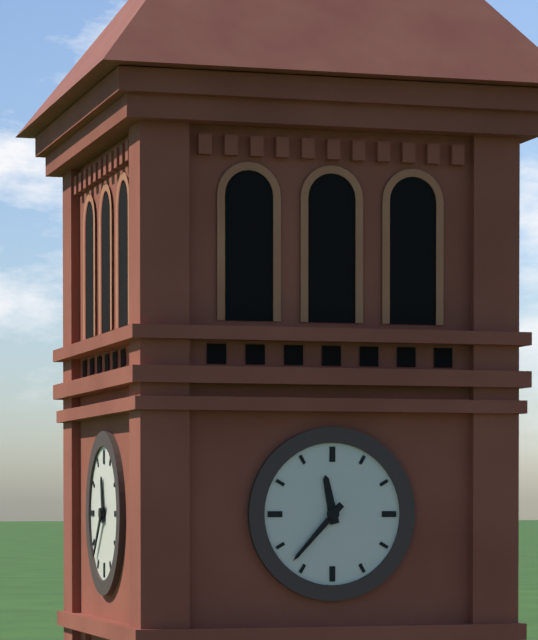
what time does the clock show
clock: 11:37
